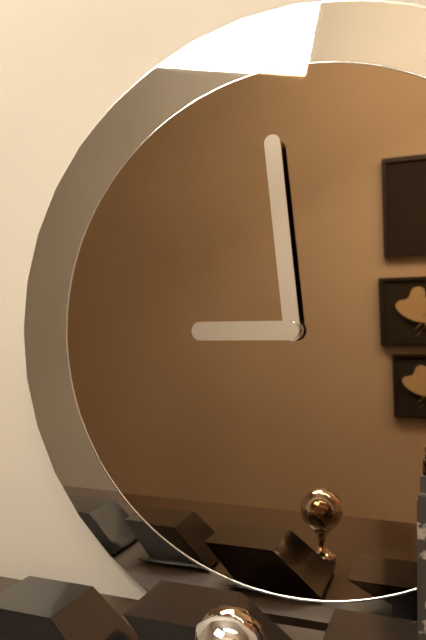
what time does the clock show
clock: 8:59
